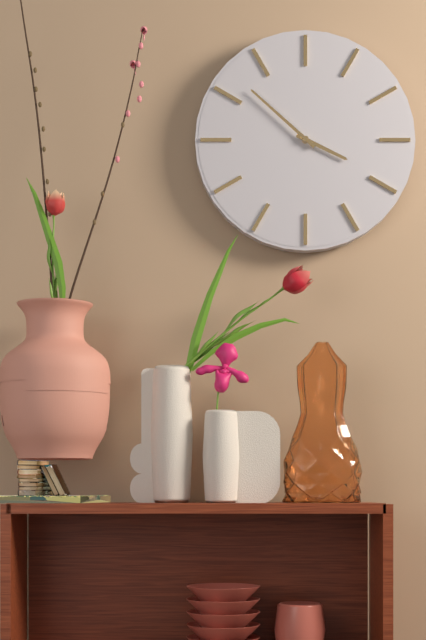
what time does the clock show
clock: 3:52
